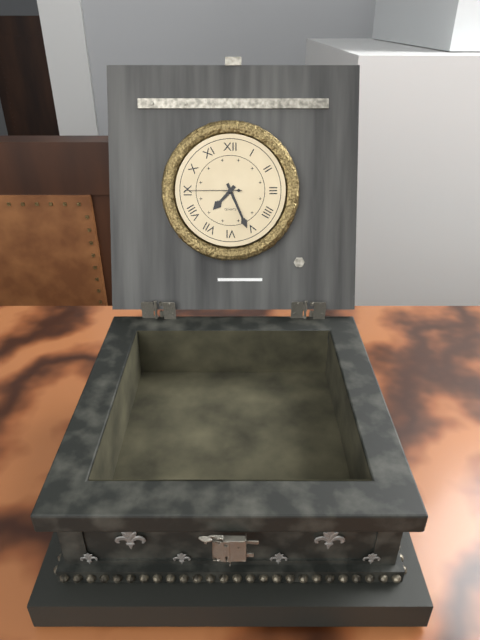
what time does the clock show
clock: 7:26:45
